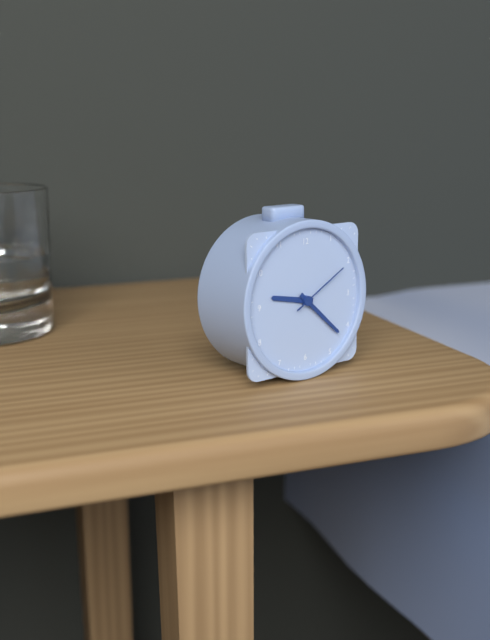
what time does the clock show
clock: 9:22:10
